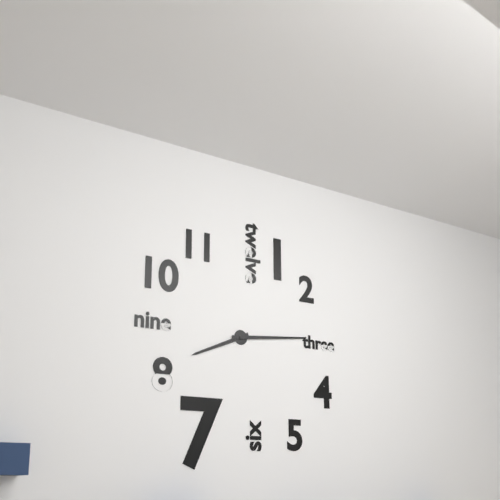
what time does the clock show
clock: 8:14
